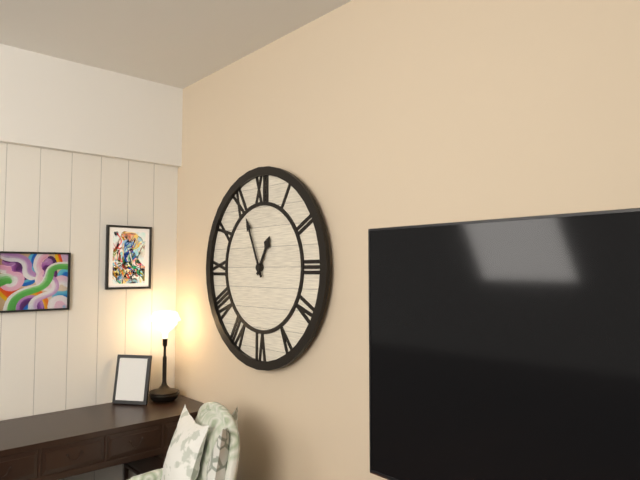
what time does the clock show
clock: 12:56
